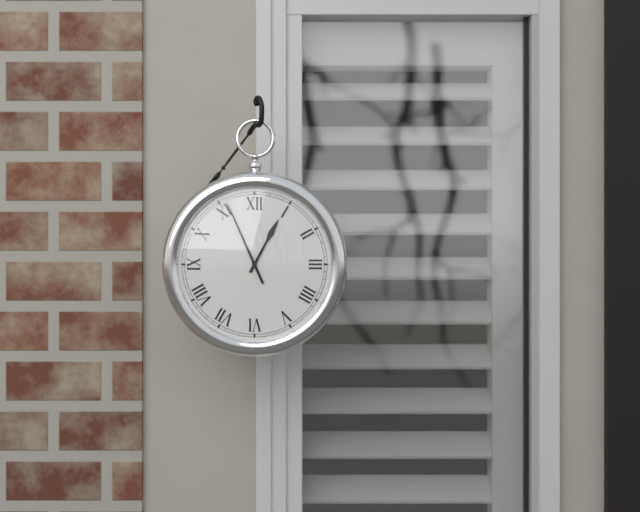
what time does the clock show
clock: 12:56
